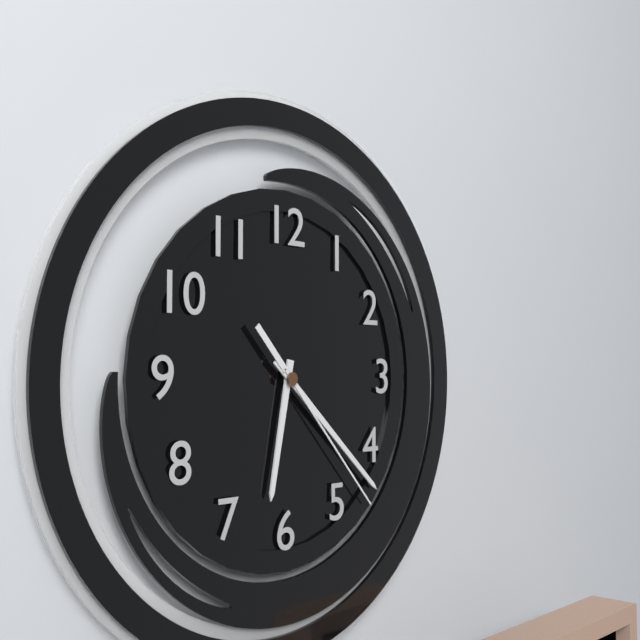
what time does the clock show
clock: 6:22:23
